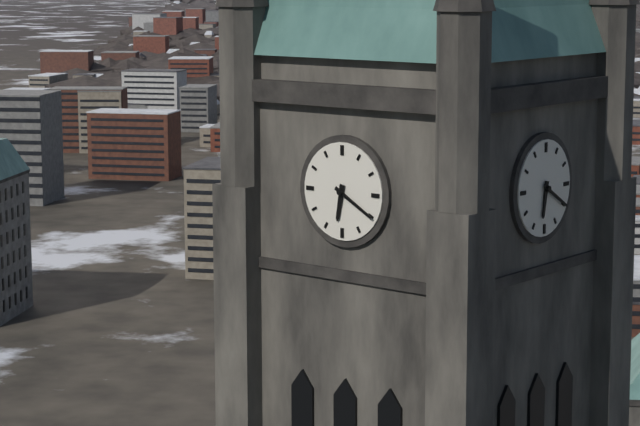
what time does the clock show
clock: 6:20
